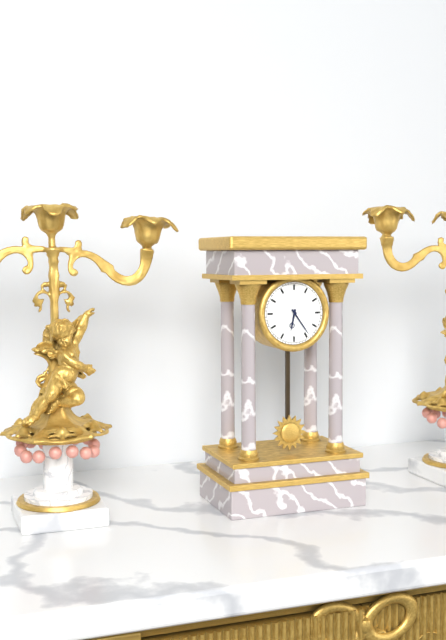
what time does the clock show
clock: 6:24
